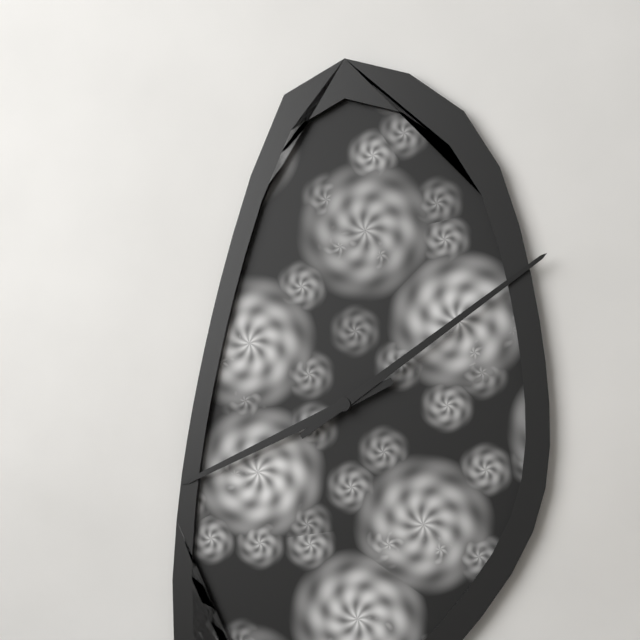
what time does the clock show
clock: 8:09
